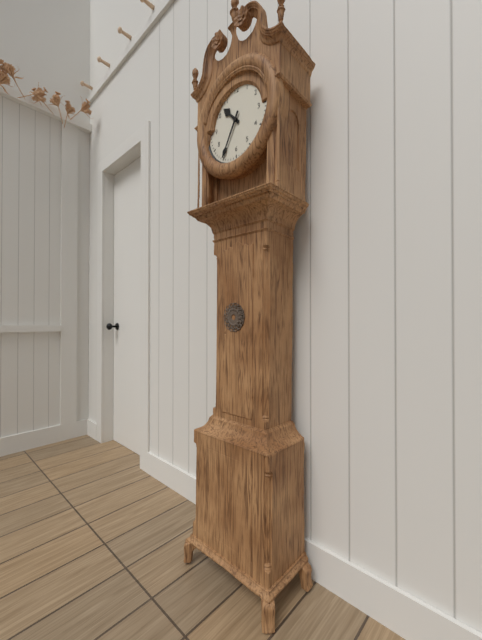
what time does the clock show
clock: 10:35
